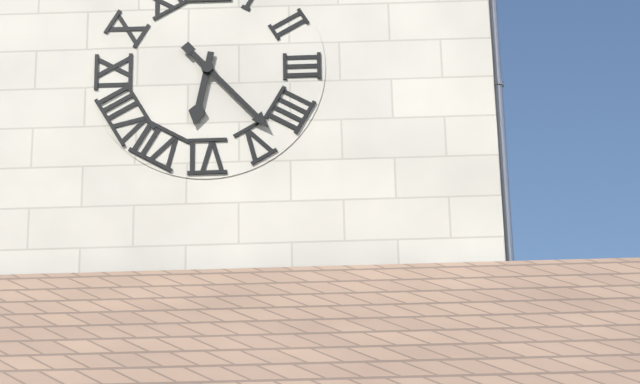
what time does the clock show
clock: 6:23
